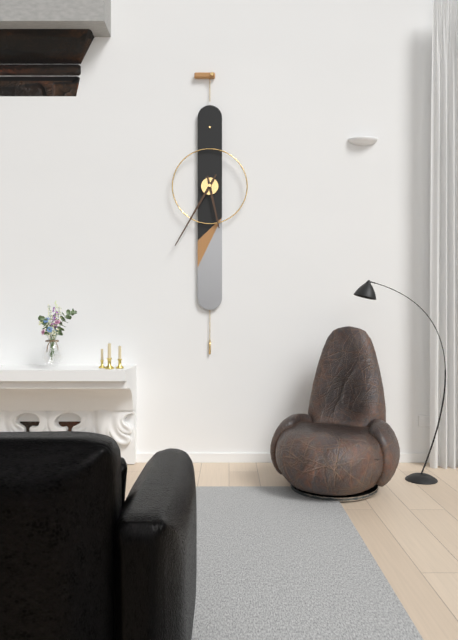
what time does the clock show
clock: 5:35
